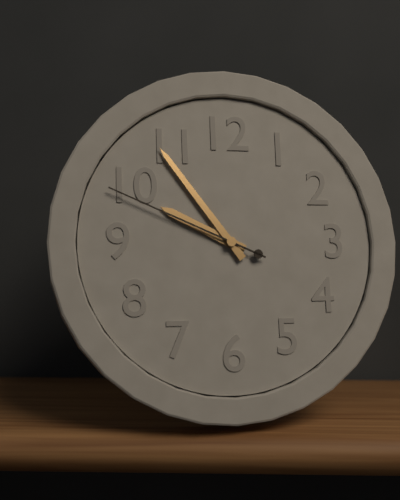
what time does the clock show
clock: 9:54:49
